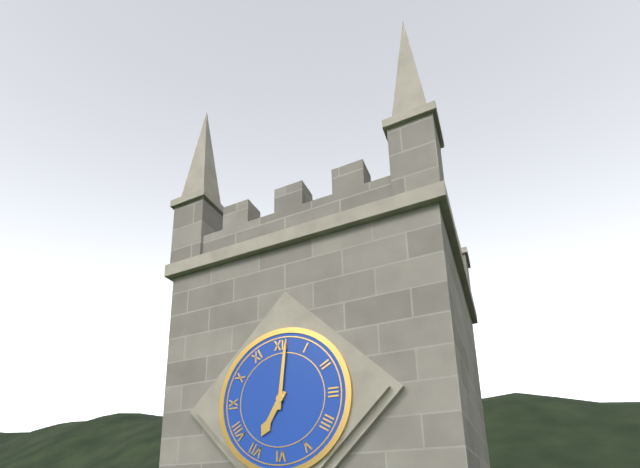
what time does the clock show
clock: 7:01
